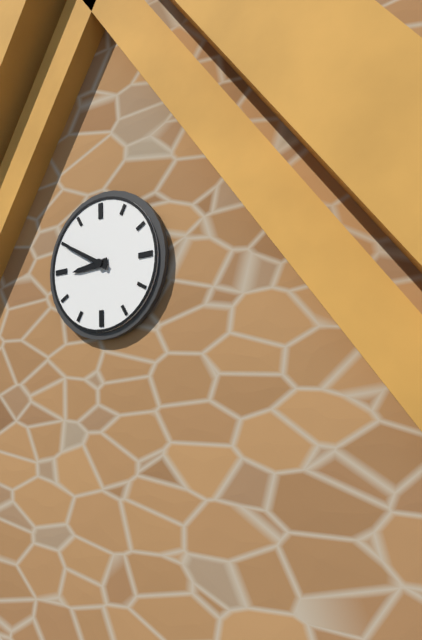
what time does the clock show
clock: 8:50
